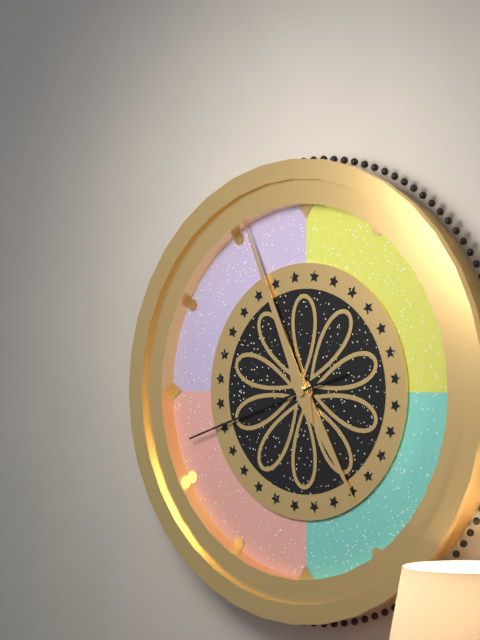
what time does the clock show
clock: 4:56:42
